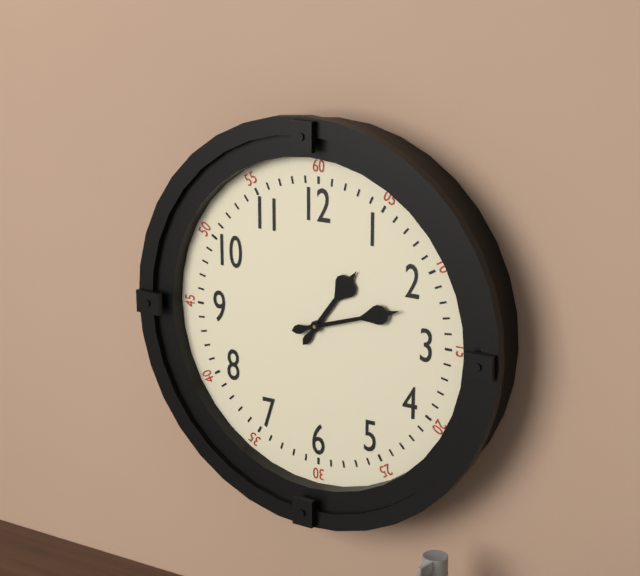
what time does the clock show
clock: 1:12
